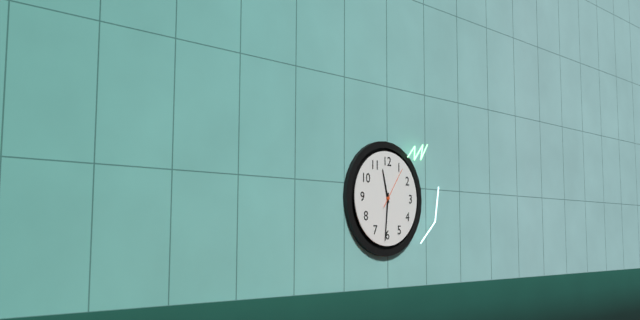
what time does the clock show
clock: 11:31
